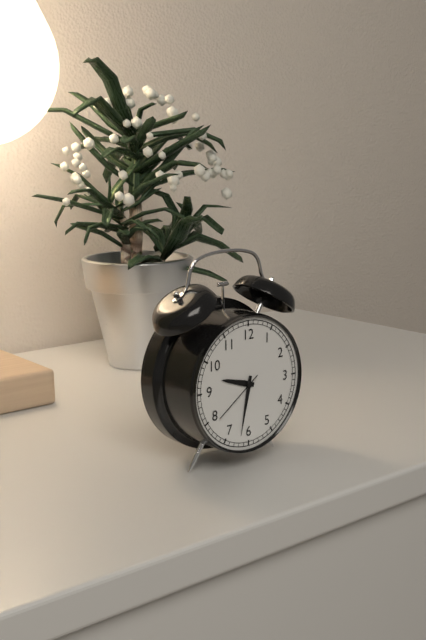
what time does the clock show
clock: 9:32:39
